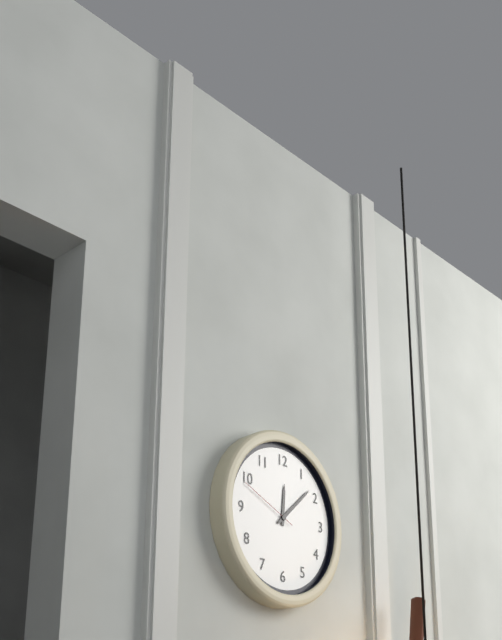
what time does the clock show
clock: 12:08:49
